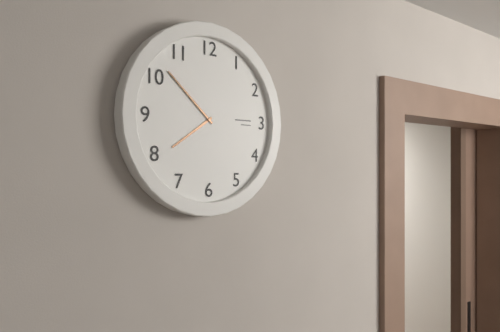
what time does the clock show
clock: 7:52
